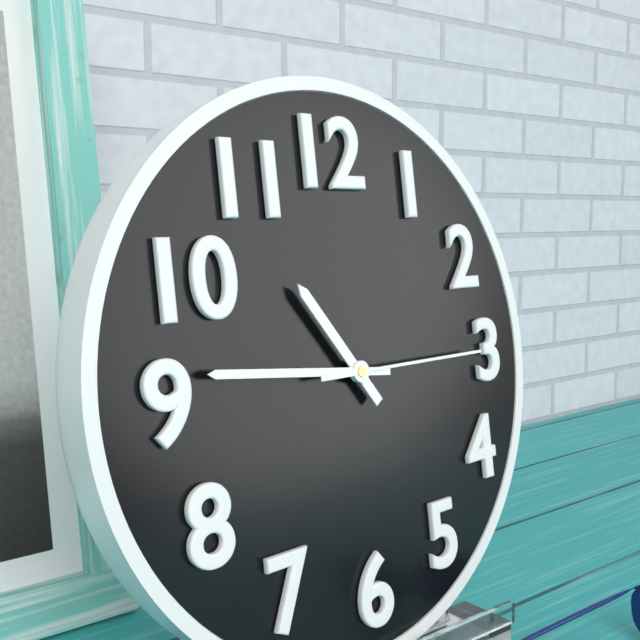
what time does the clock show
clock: 10:46:15
